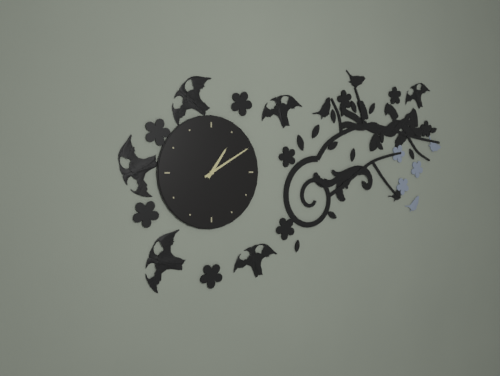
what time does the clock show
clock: 1:10
